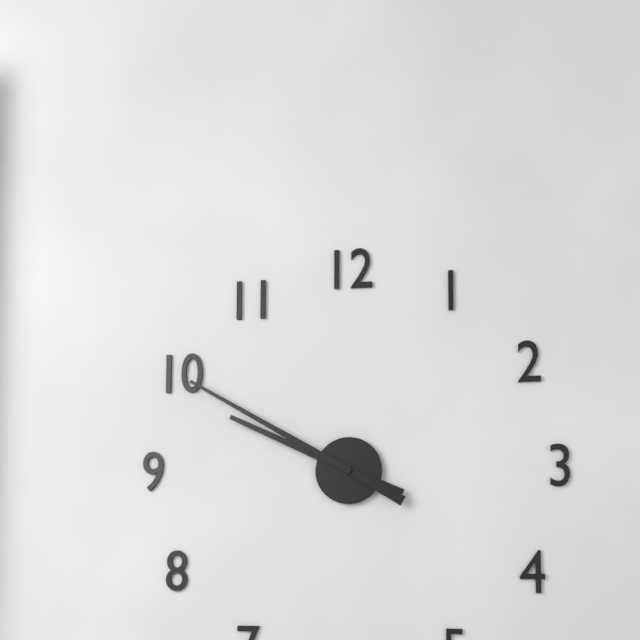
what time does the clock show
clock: 9:50
